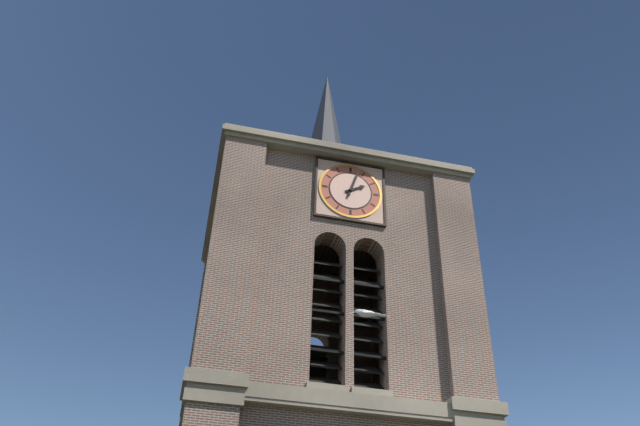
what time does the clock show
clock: 2:03
